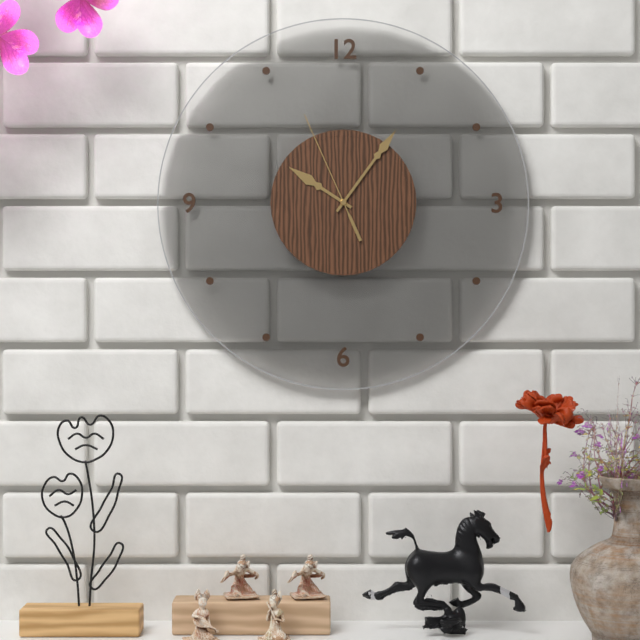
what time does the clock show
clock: 10:06:56
